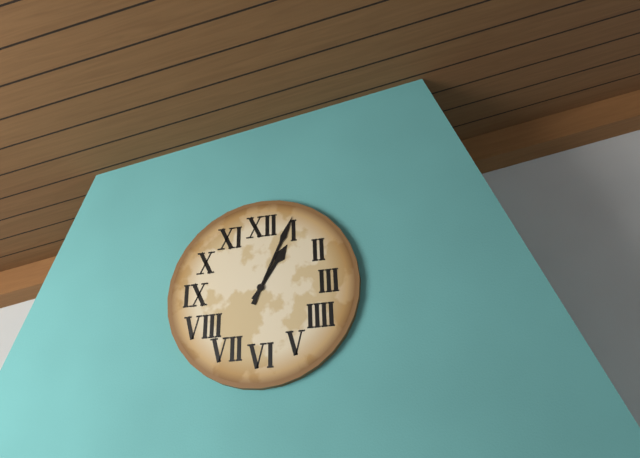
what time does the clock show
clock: 1:04
